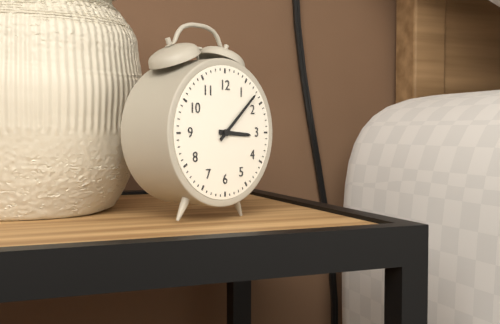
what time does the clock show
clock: 3:08
